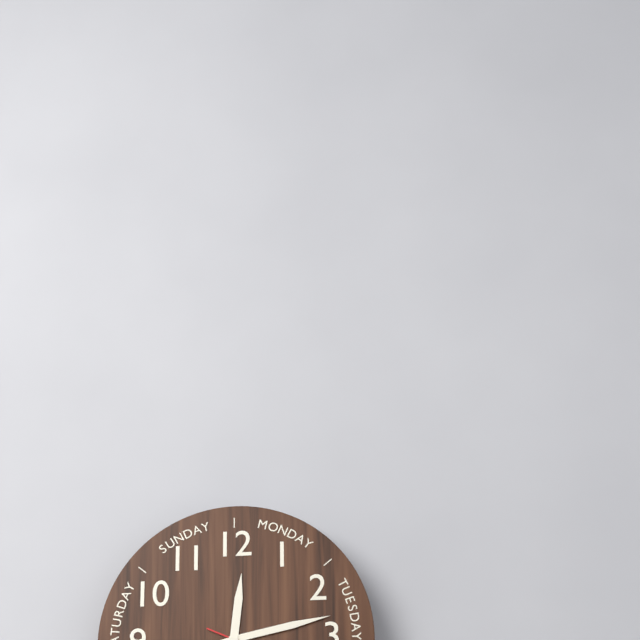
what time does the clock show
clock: 12:13
